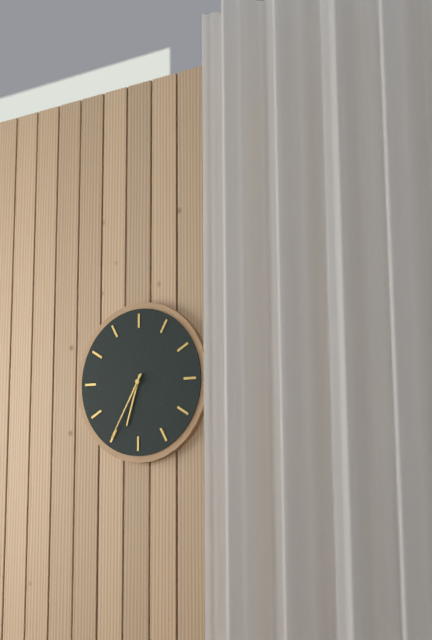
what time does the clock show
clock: 6:35
